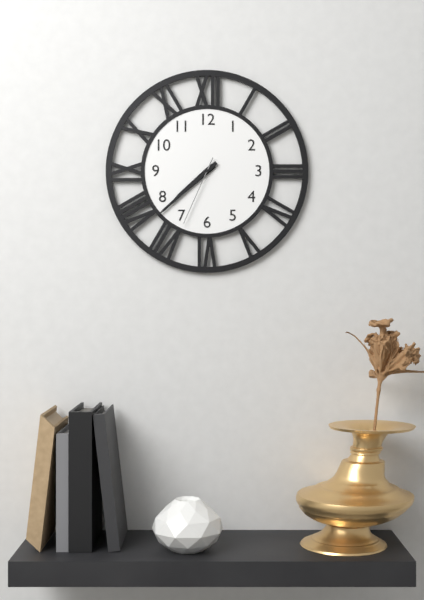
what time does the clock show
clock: 7:38:34
